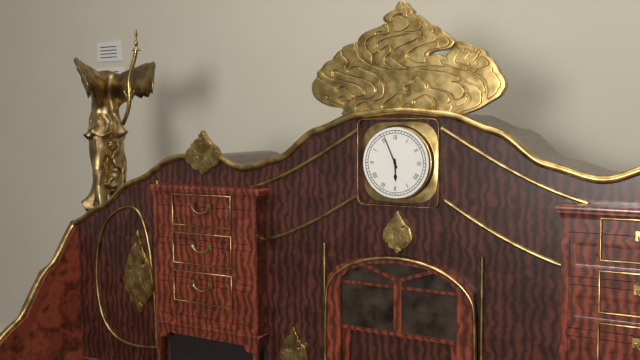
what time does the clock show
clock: 5:56
